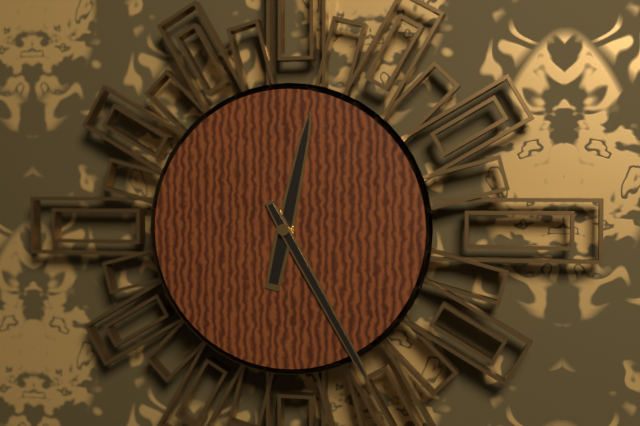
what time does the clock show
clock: 12:25
